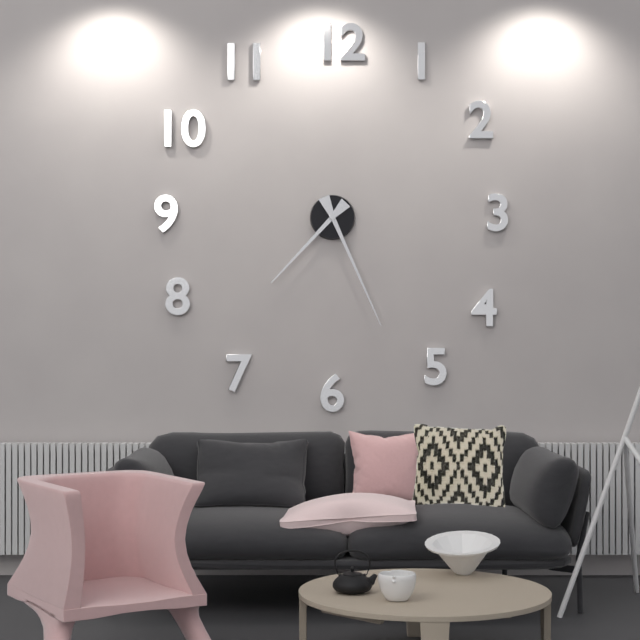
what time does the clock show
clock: 7:26
